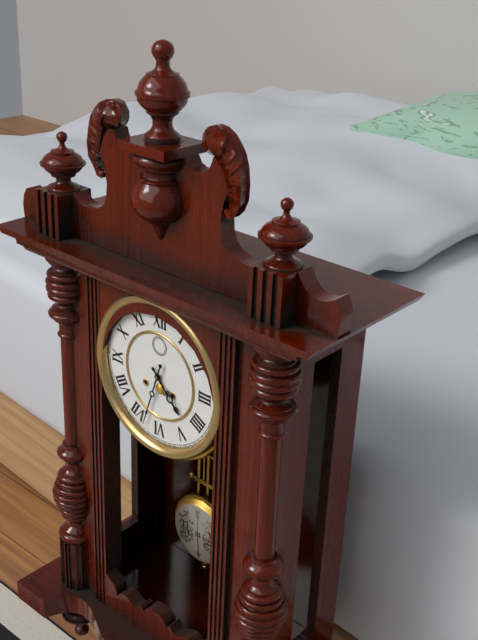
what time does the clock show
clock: 4:33
